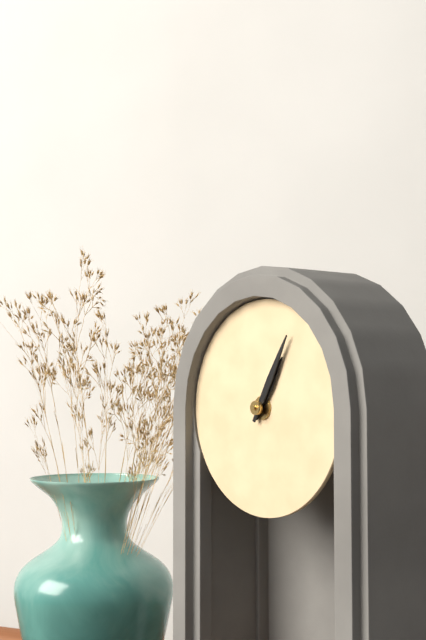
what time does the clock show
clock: 1:05
